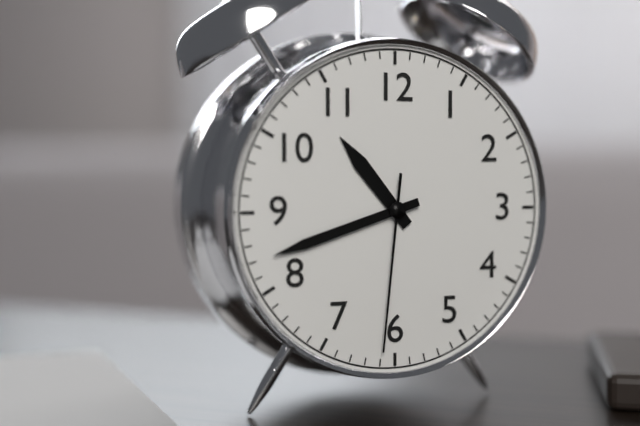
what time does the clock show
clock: 10:42:31
